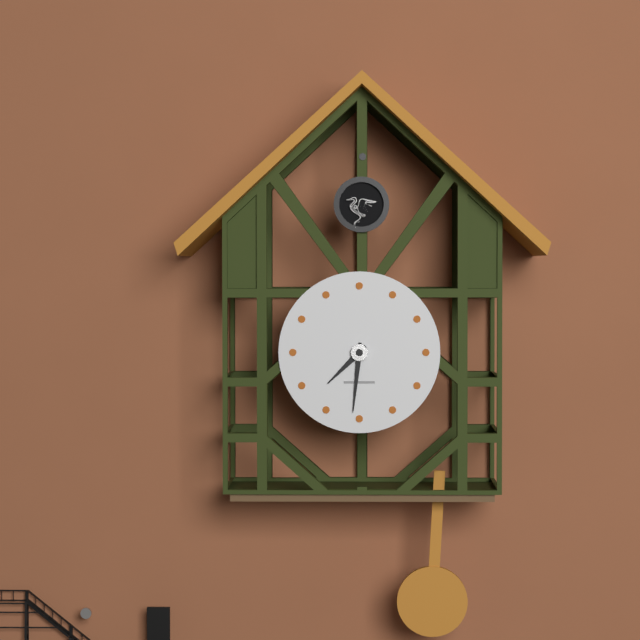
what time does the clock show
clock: 7:31
